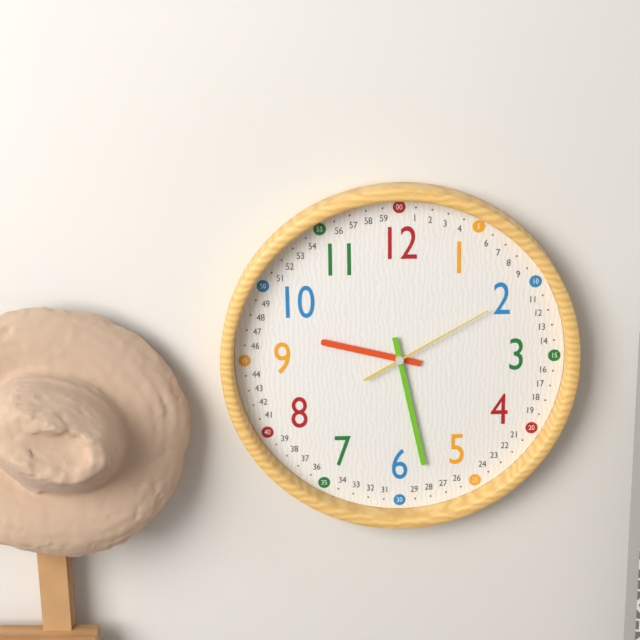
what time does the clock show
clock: 9:28:10
